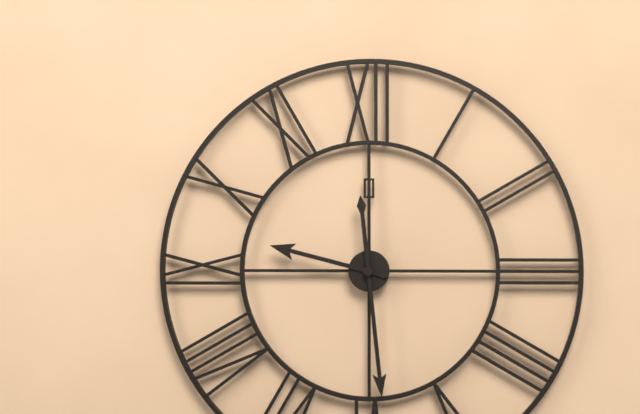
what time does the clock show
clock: 9:29
